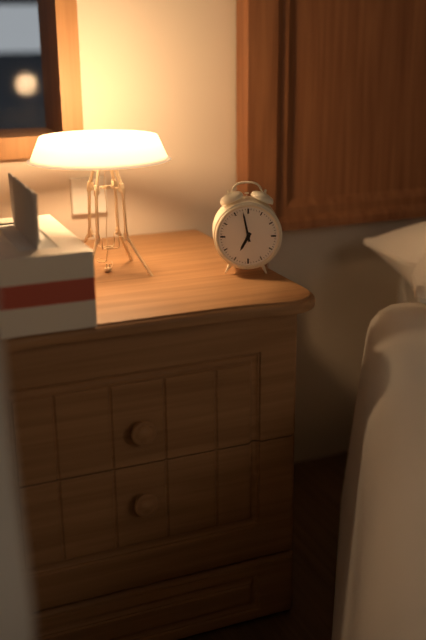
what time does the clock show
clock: 6:58
